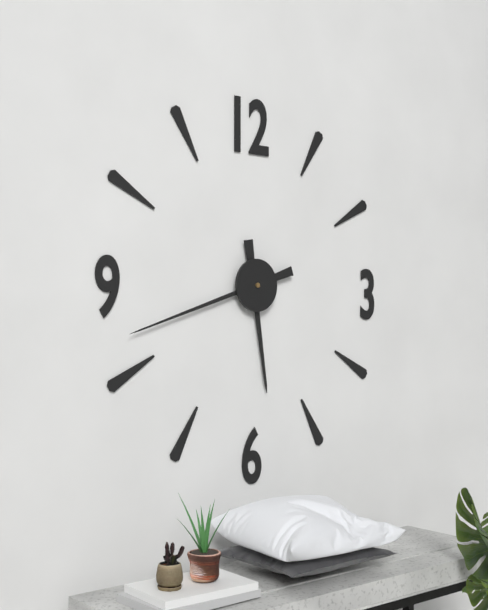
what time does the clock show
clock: 5:42
